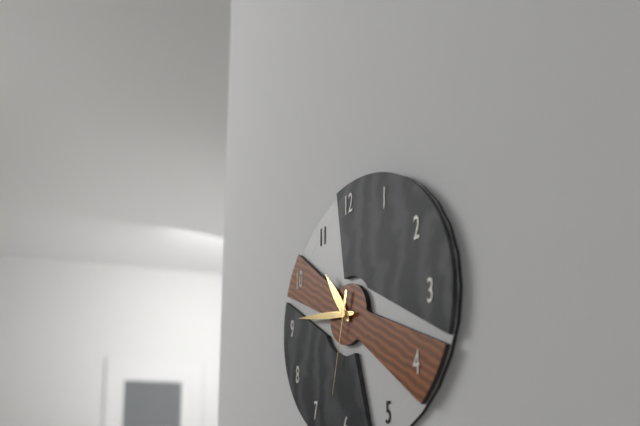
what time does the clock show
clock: 10:46:32
